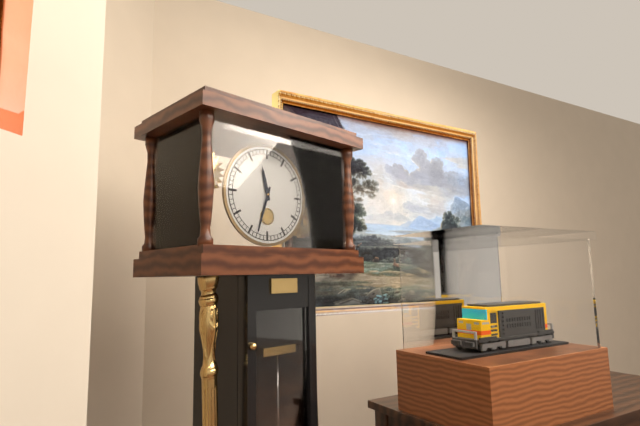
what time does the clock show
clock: 11:33
